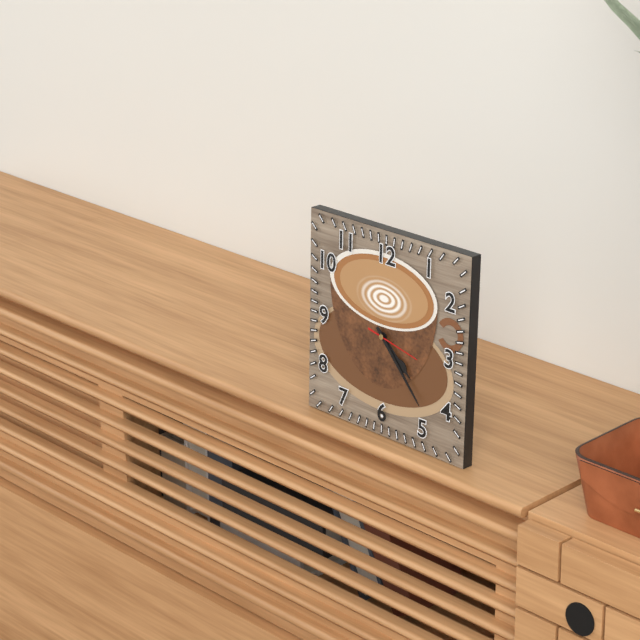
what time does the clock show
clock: 4:23:17
